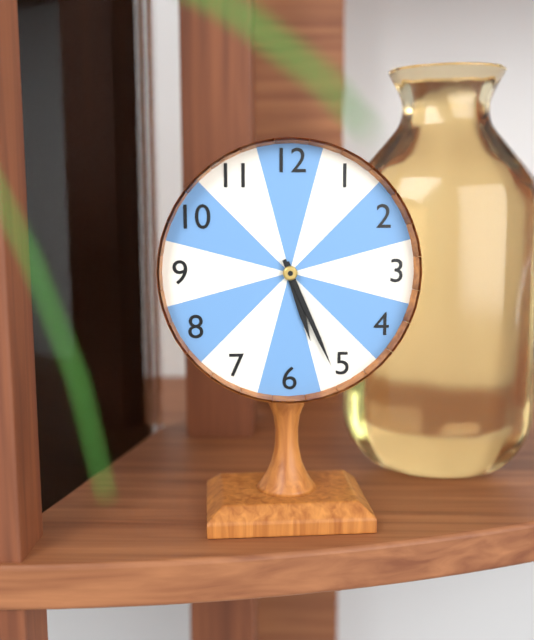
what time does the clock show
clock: 5:26
